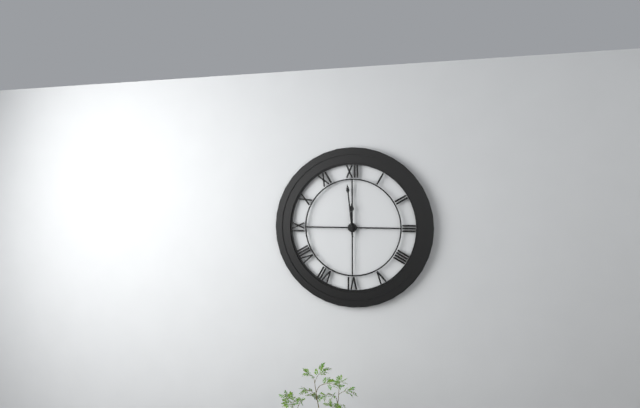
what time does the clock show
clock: 11:59
